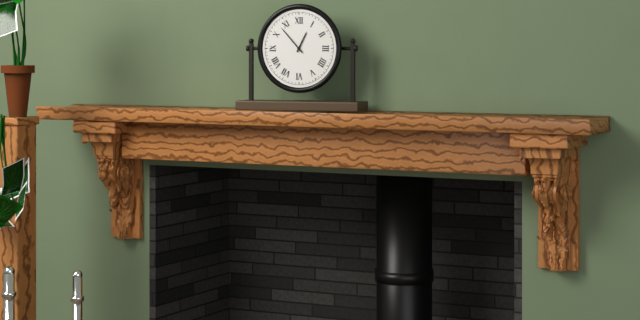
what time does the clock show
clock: 12:53
